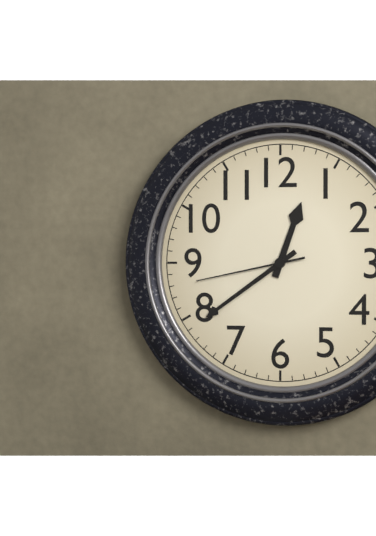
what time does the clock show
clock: 12:39:43
